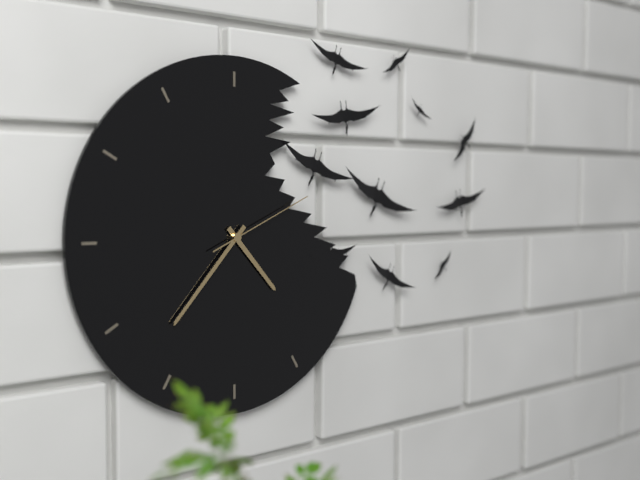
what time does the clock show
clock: 4:37:11
